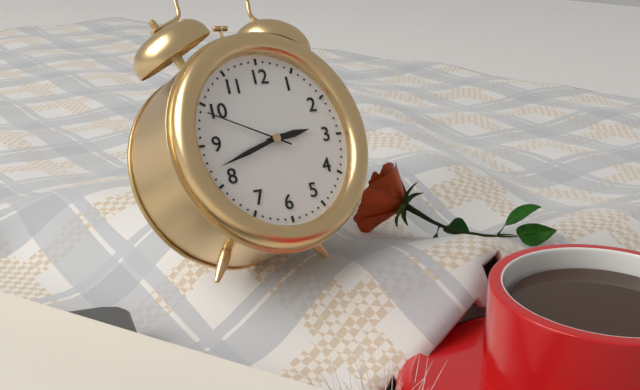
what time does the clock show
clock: 2:42:49
